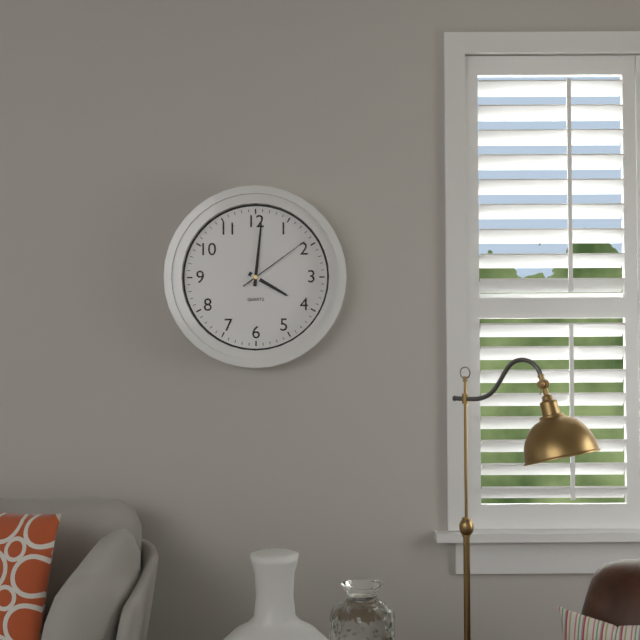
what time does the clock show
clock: 4:01:09
